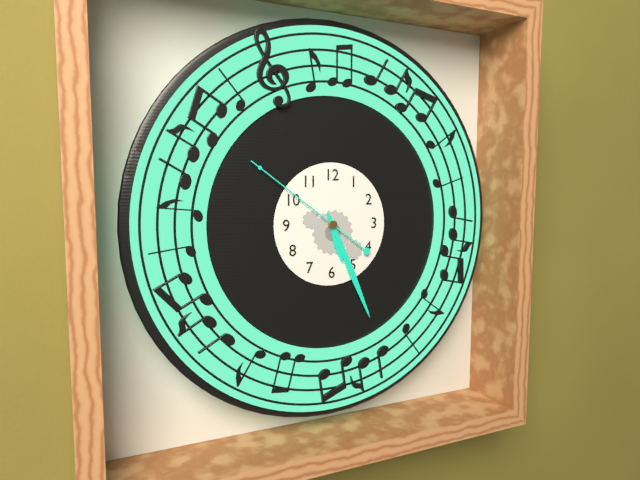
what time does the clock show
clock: 5:26:51
